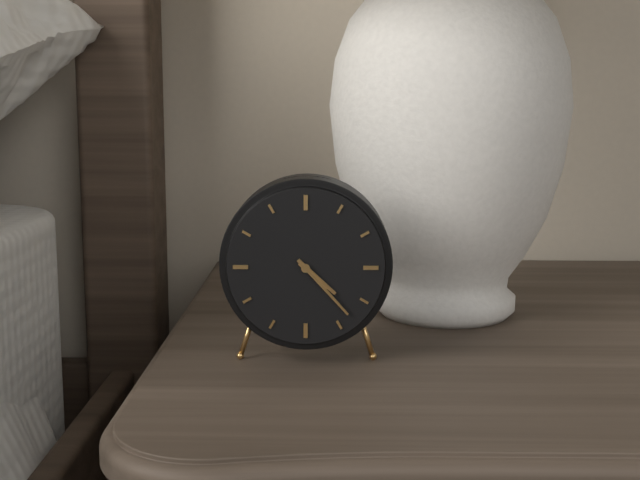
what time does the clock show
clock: 4:23
